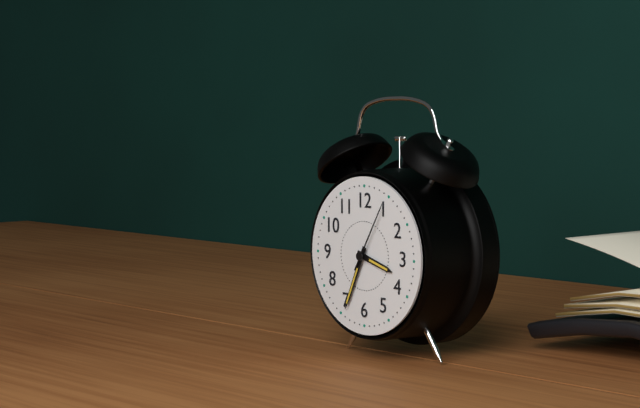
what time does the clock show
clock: 3:34:05
